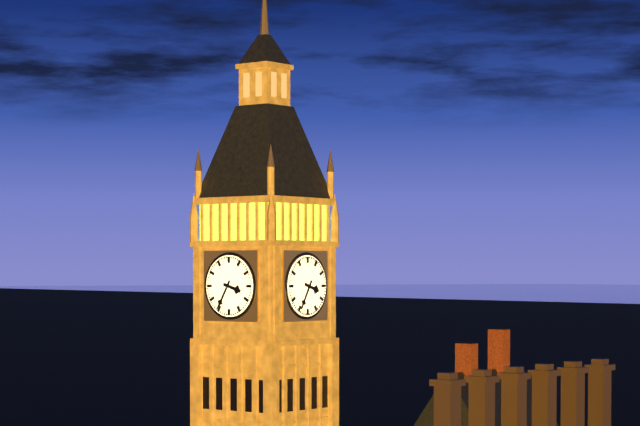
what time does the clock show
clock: 3:35
